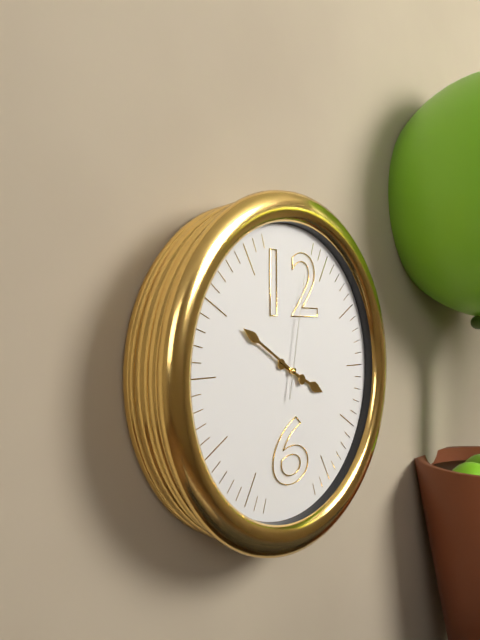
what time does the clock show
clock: 3:50:02
